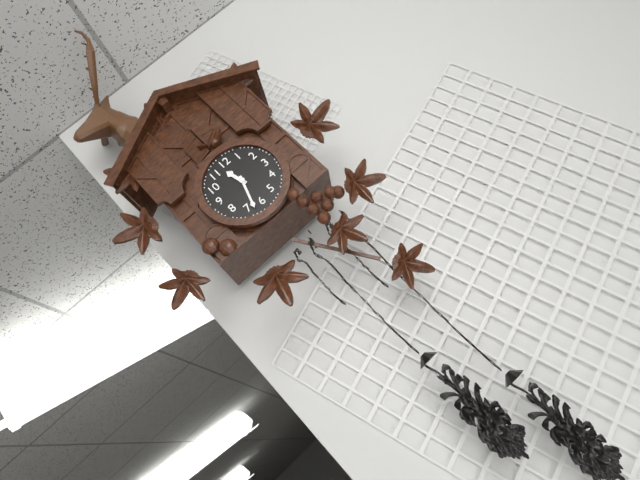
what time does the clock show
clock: 11:33
